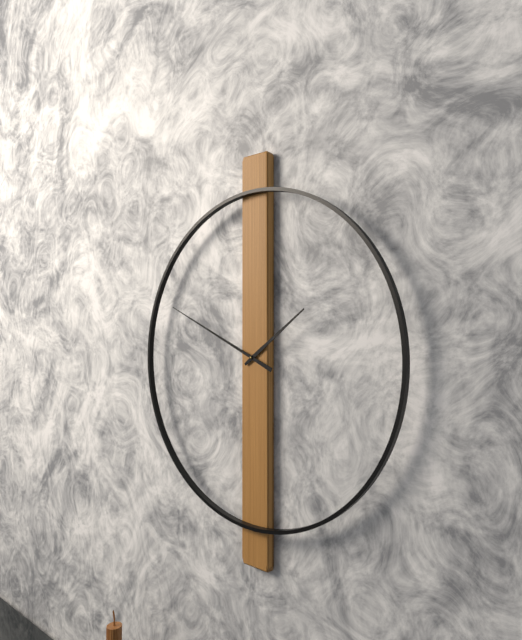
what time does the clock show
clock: 1:49
